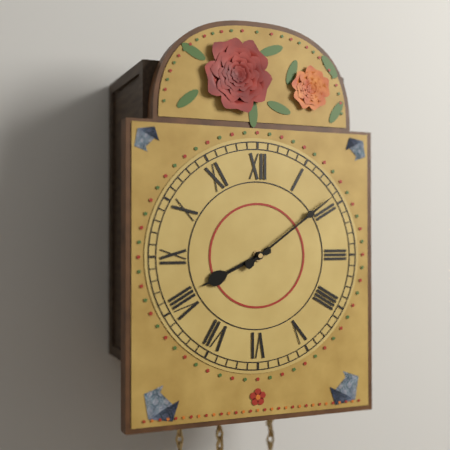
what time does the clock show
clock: 8:09
